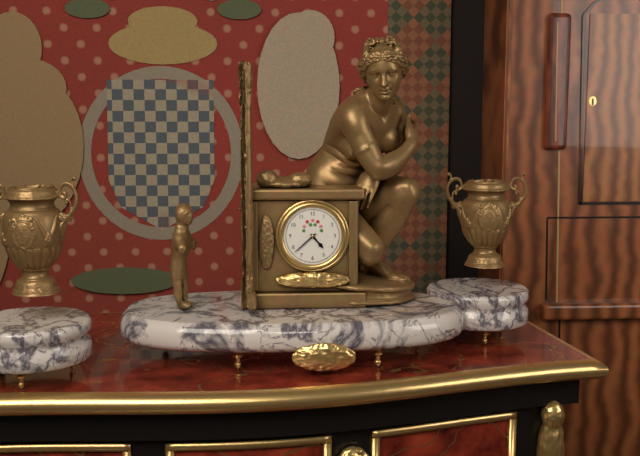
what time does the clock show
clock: 4:38
